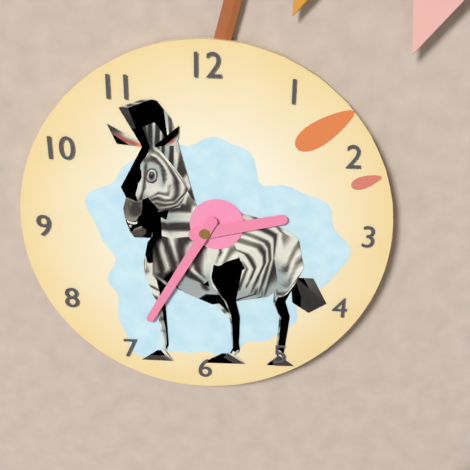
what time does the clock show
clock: 2:35
